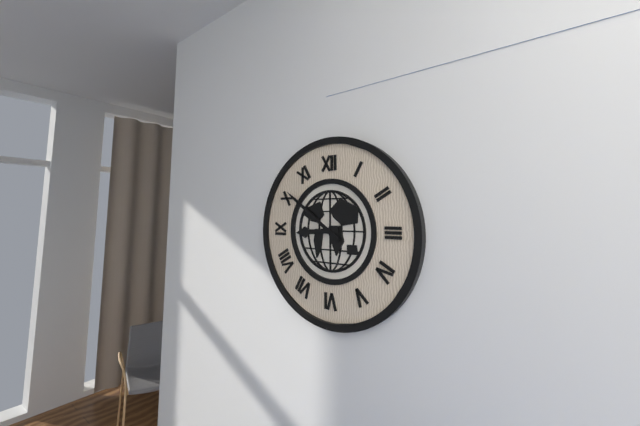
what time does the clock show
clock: 8:51
